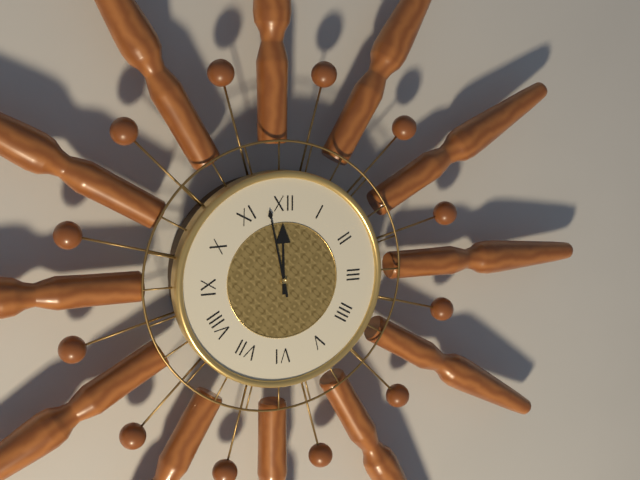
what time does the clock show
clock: 11:58
